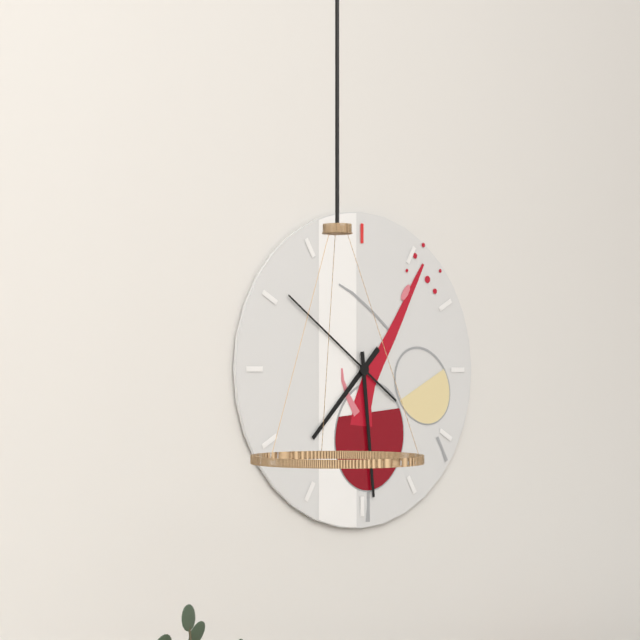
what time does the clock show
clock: 7:29:51
